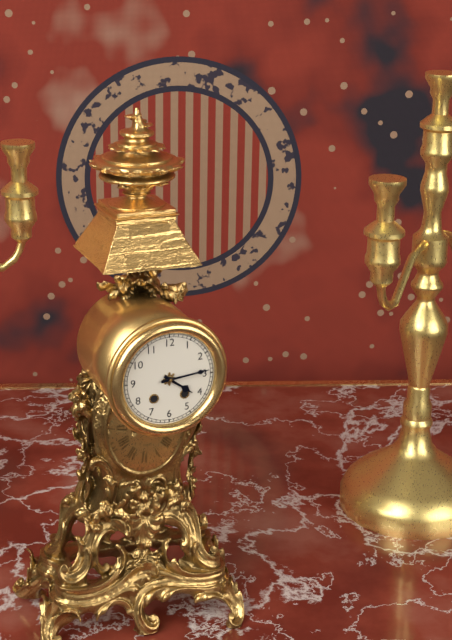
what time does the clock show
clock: 4:14
